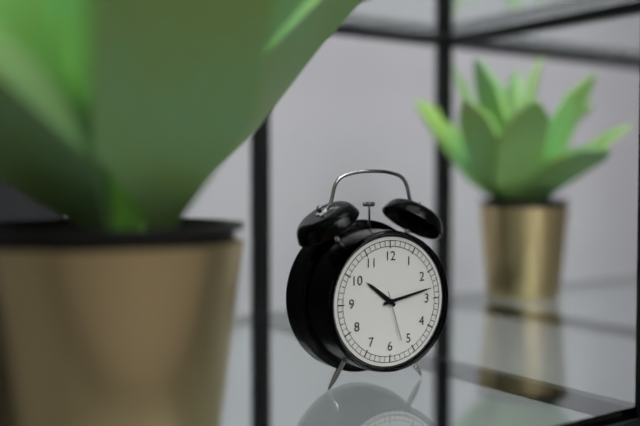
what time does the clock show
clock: 10:13:27
